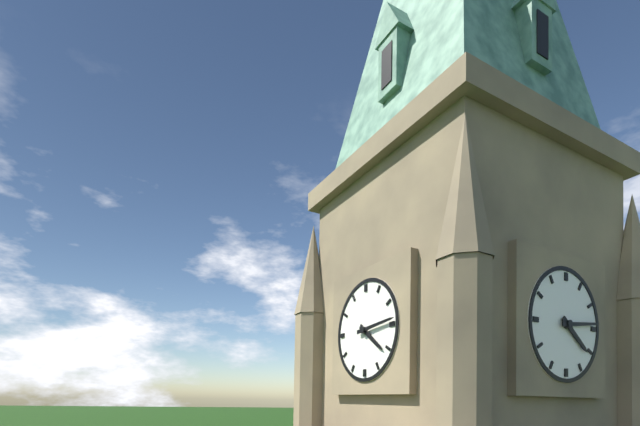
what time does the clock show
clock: 4:14
